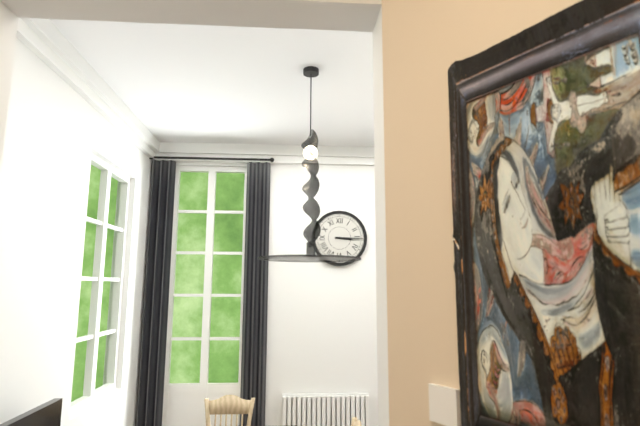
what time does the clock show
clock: 3:15
